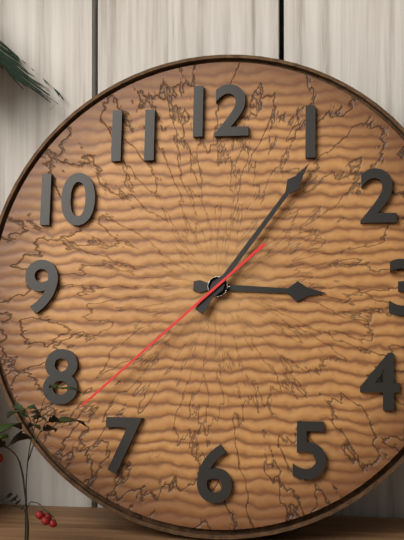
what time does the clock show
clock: 3:06:38
